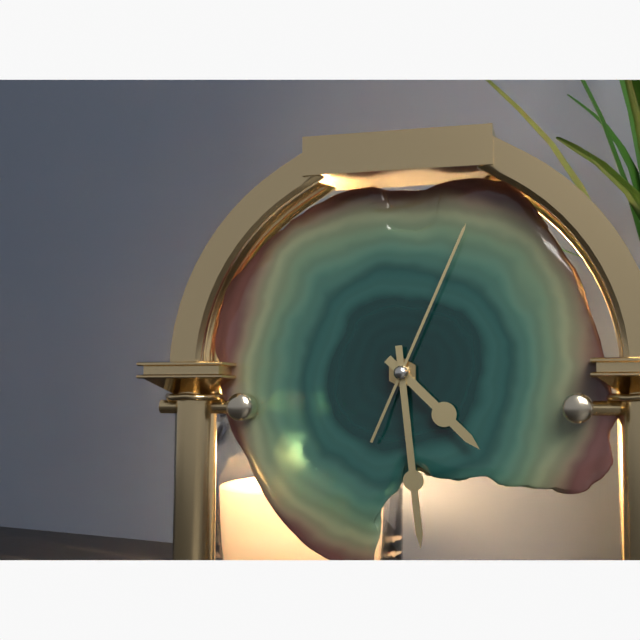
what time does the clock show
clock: 4:29:04
